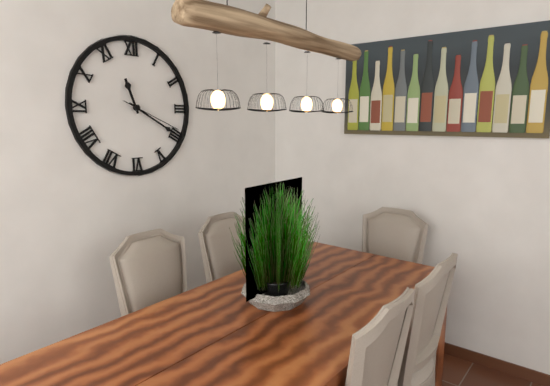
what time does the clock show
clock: 11:20:19
